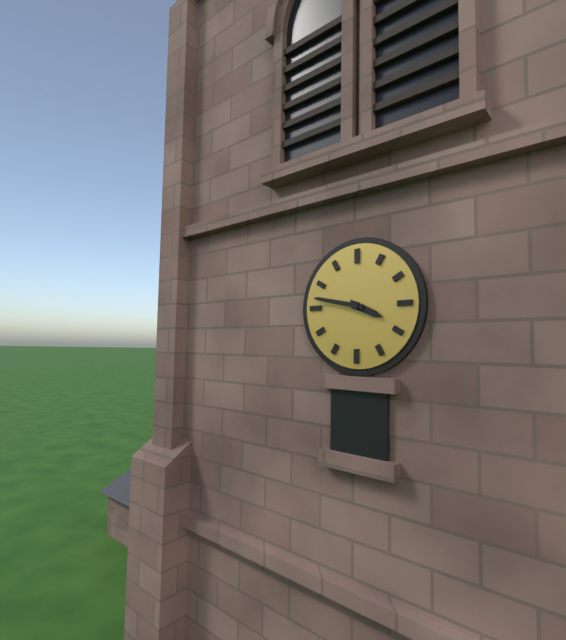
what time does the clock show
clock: 3:47
